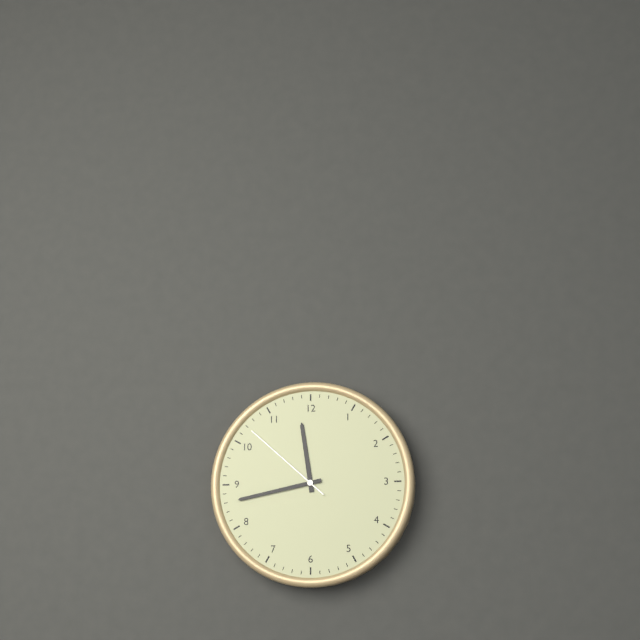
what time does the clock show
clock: 11:43:52
